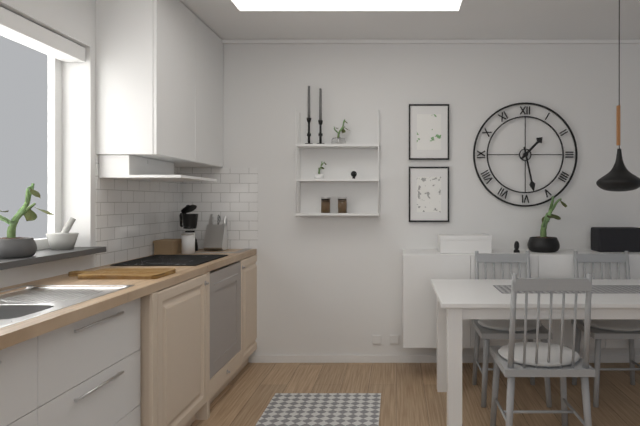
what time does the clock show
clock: 1:28
